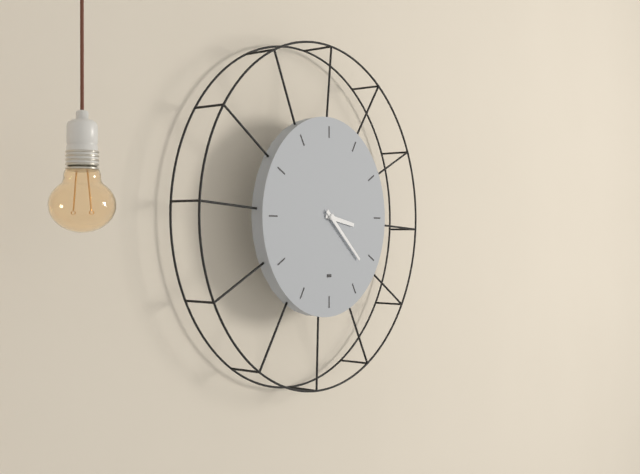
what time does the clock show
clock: 3:22
